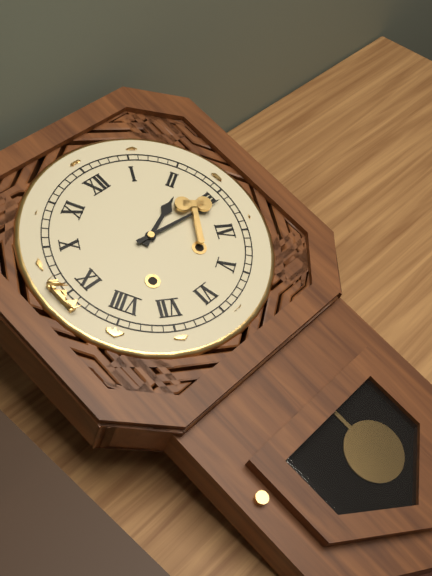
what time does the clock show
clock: 2:16
